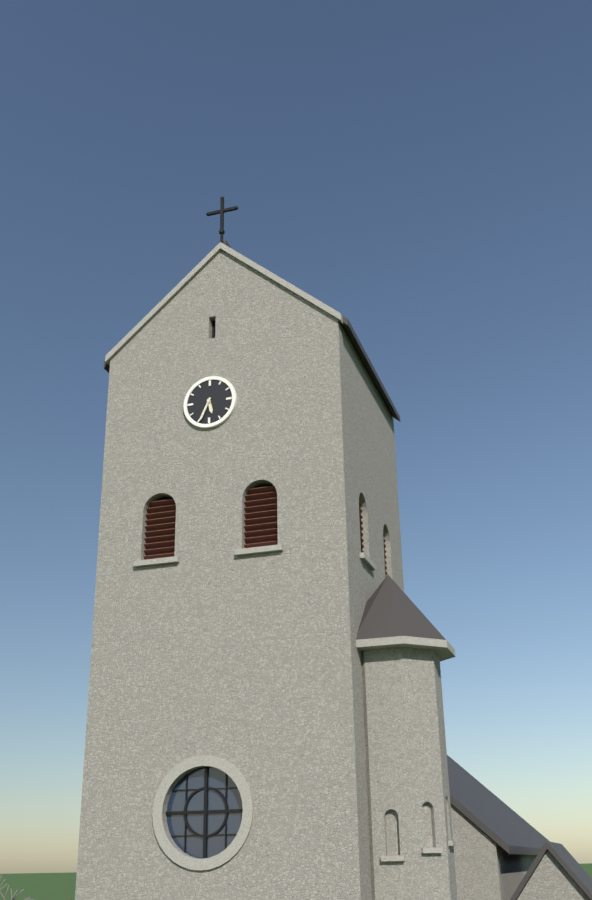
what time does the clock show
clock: 5:34
